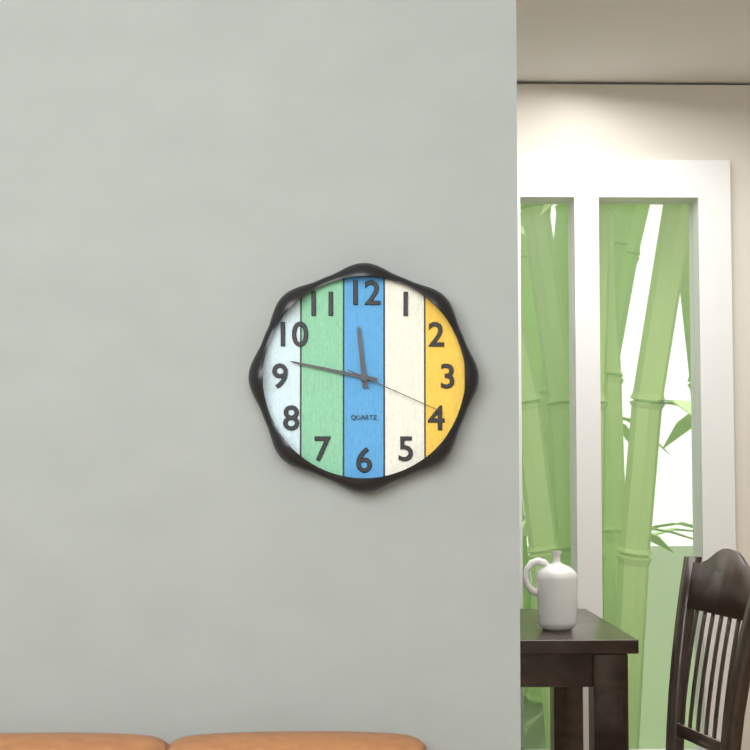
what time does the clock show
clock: 11:47:19
